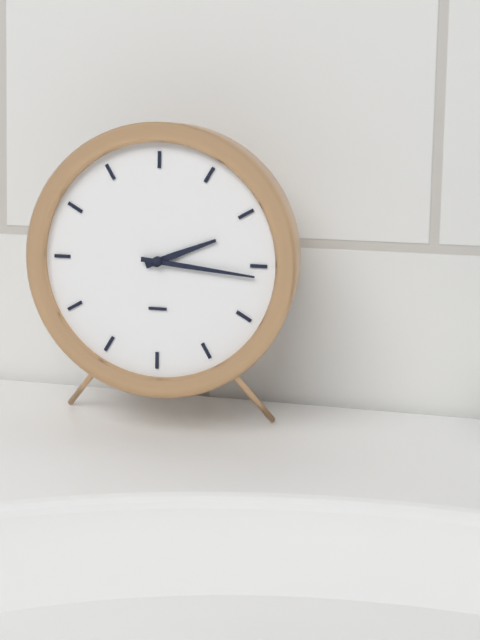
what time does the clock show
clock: 2:16
